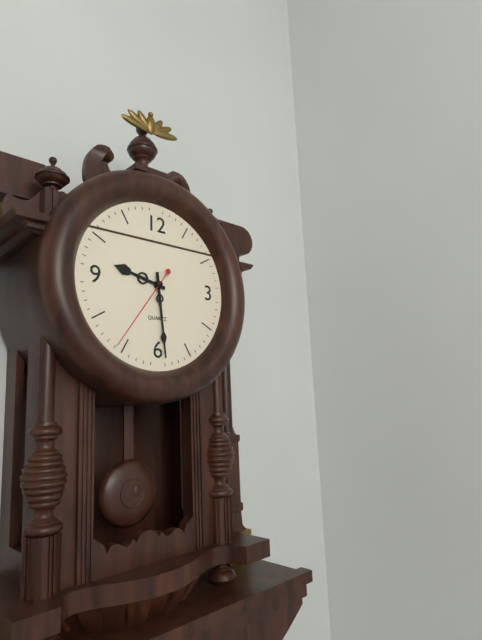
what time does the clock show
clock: 9:29:36
